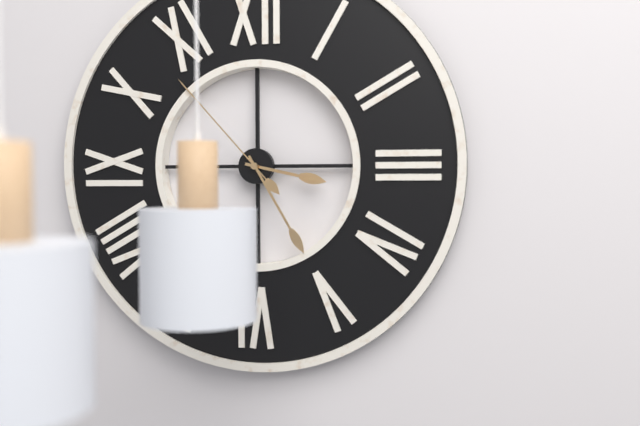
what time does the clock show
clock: 3:25:53
